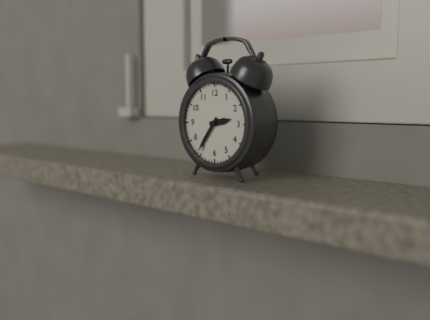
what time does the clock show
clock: 2:36
